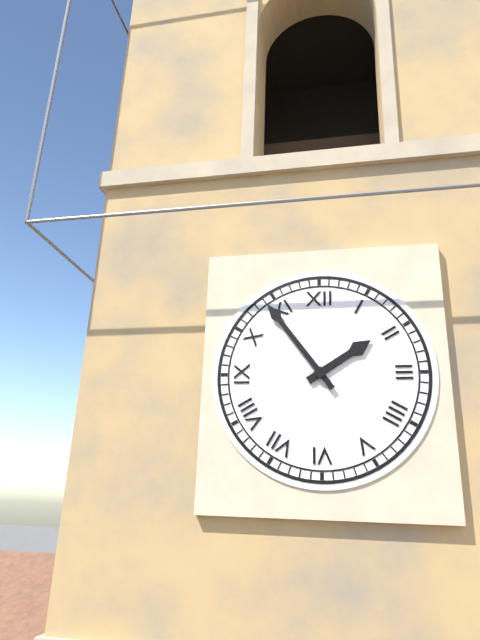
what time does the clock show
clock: 1:54
